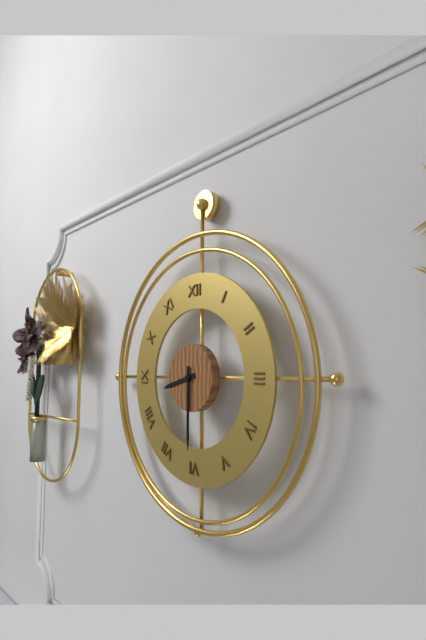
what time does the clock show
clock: 8:30
